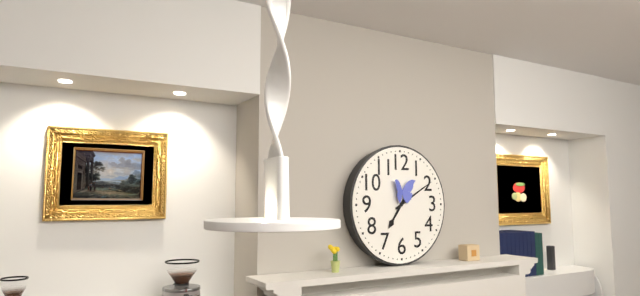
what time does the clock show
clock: 7:10
